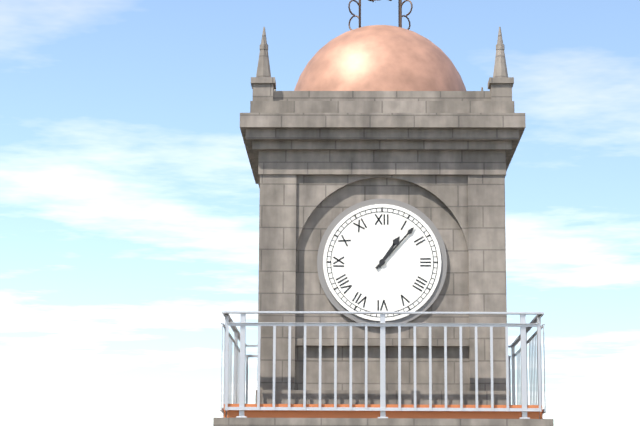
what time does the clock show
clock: 1:07
